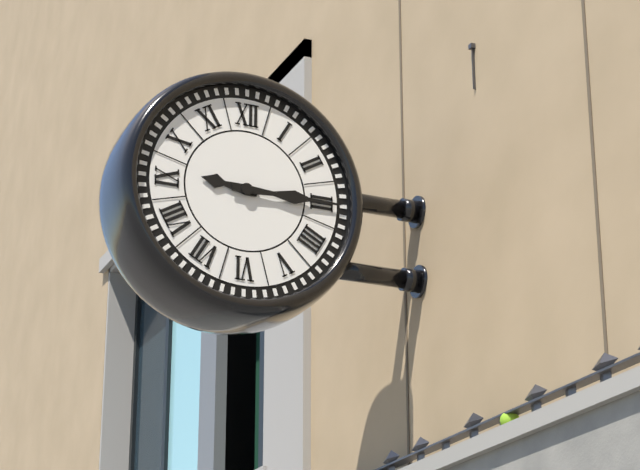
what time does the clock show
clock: 9:15
